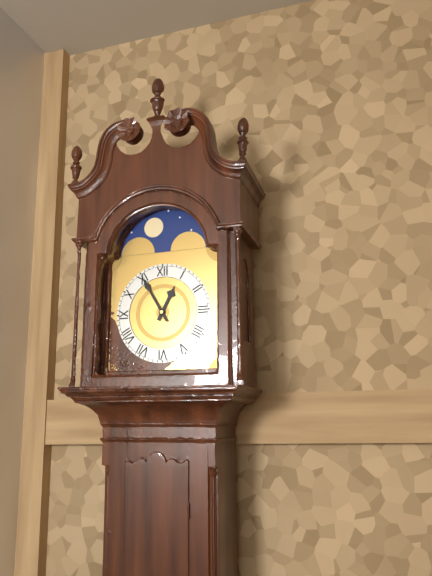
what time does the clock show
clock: 12:55
